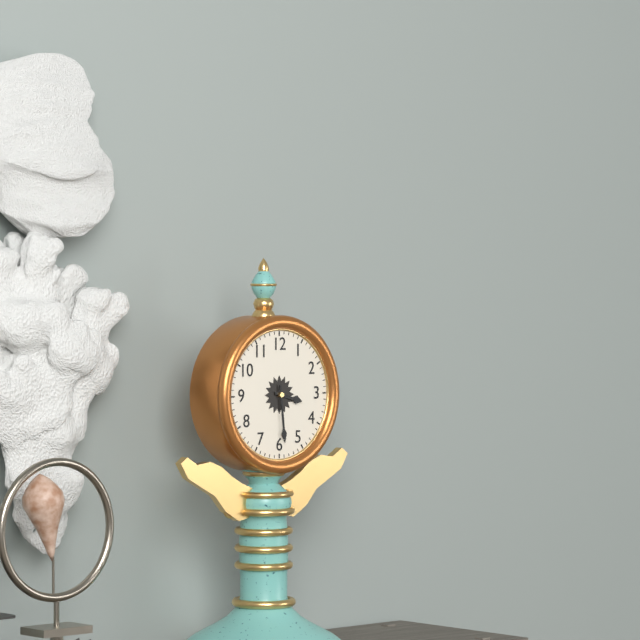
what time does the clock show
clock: 3:29
